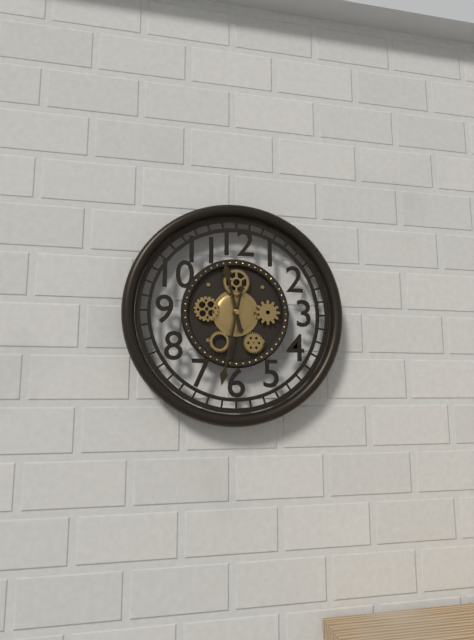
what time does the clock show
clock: 11:32
